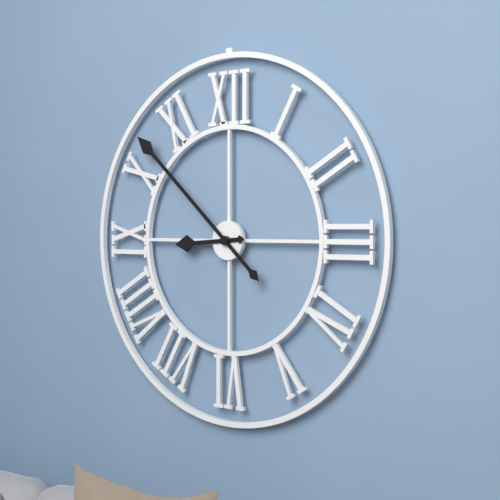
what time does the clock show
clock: 8:52
